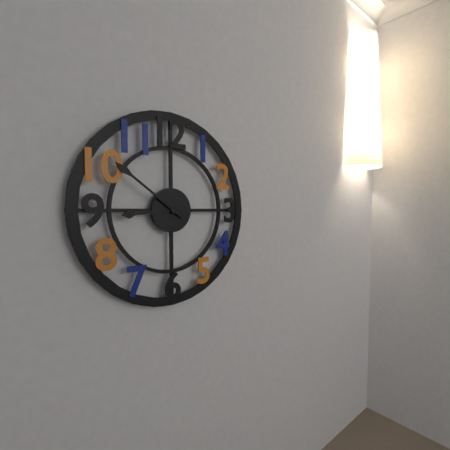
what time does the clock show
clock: 8:51
